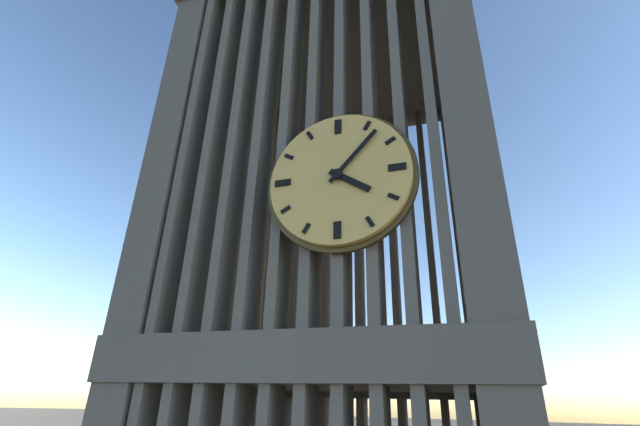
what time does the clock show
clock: 4:07
